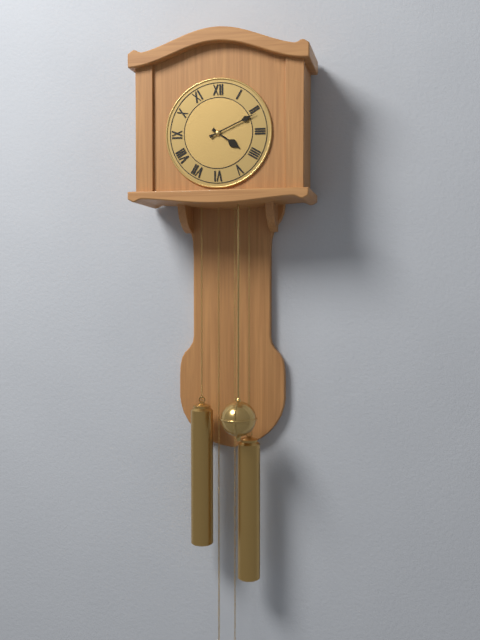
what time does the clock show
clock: 4:11
